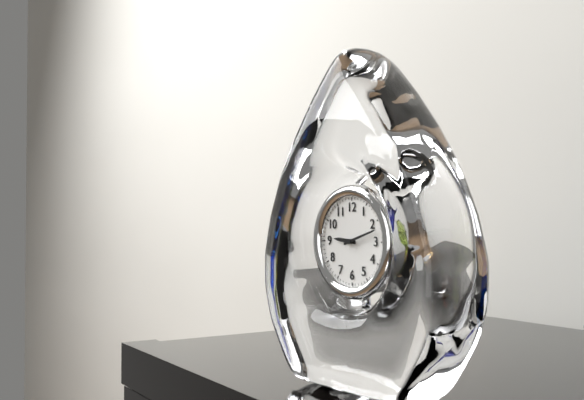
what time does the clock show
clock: 9:12
